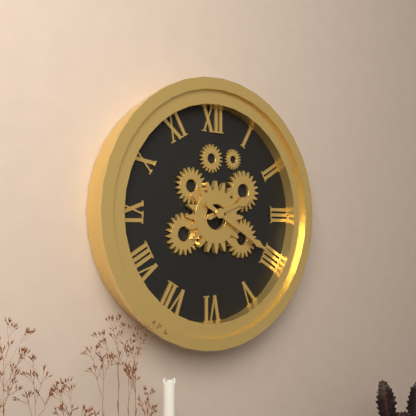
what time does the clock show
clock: 2:20
